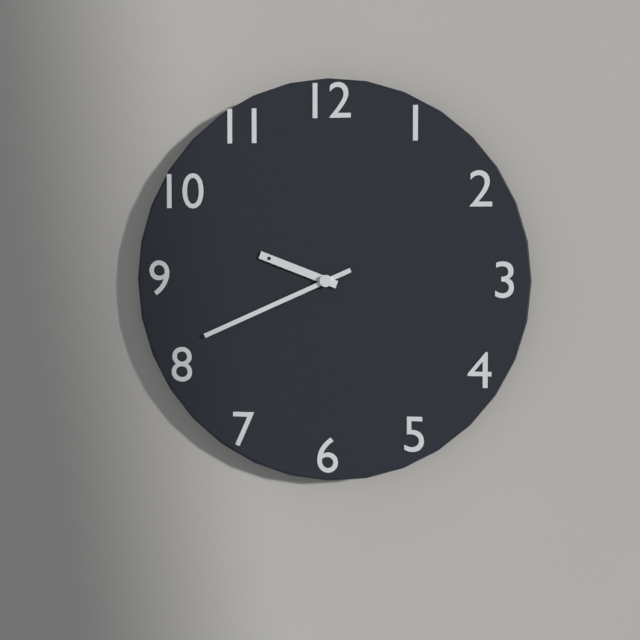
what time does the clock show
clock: 9:41
